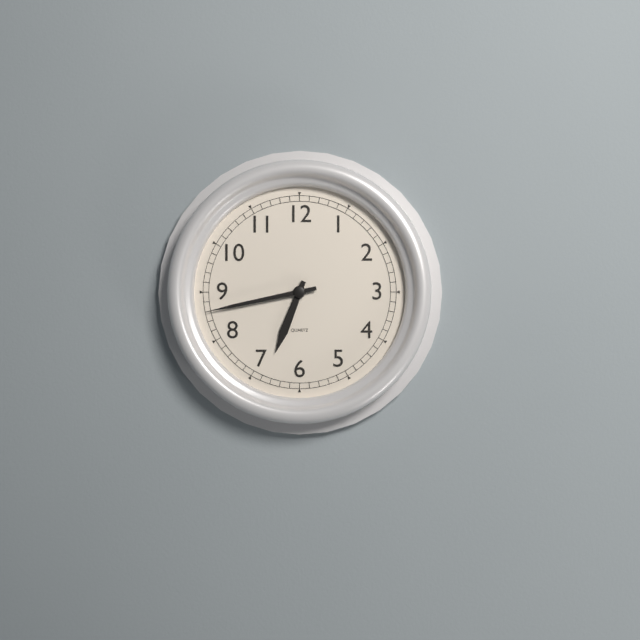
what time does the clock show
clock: 6:43
